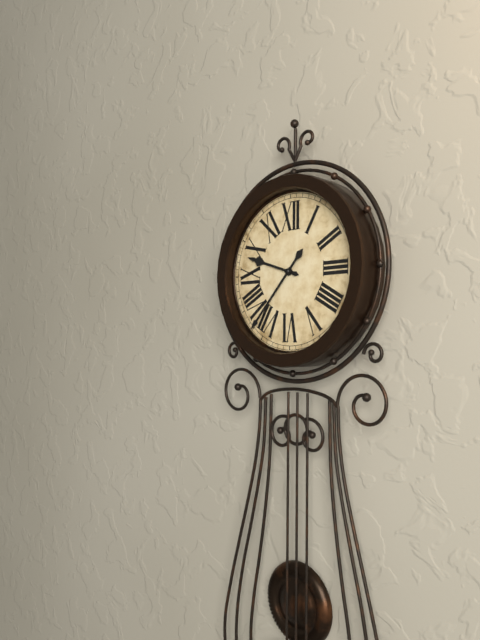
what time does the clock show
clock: 9:37
